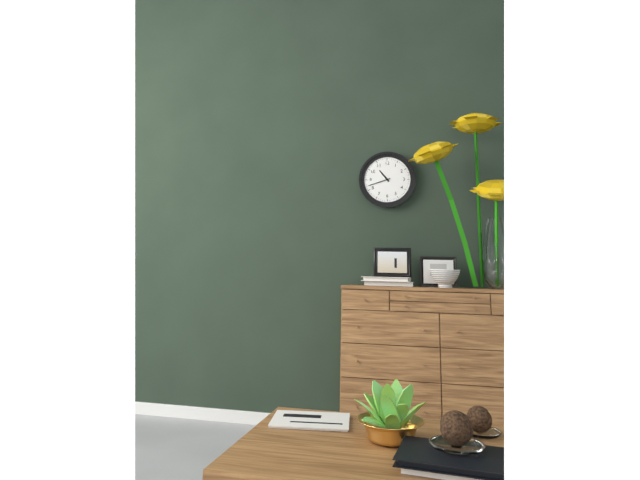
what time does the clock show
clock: 10:42
